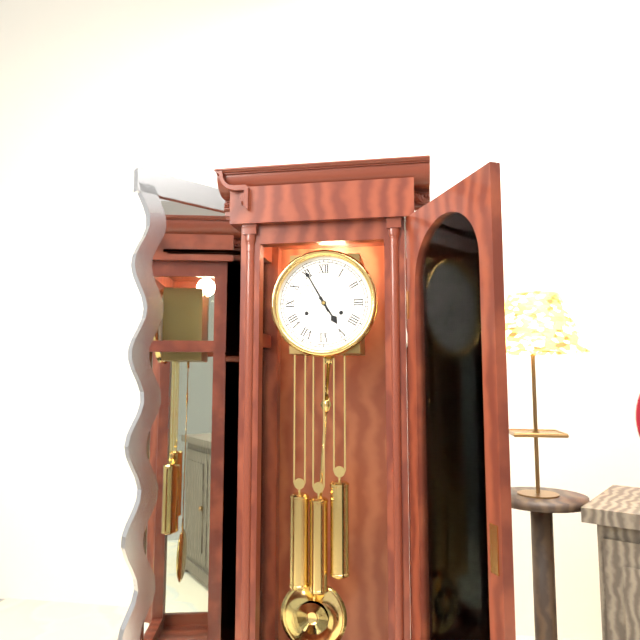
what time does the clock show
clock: 4:55
